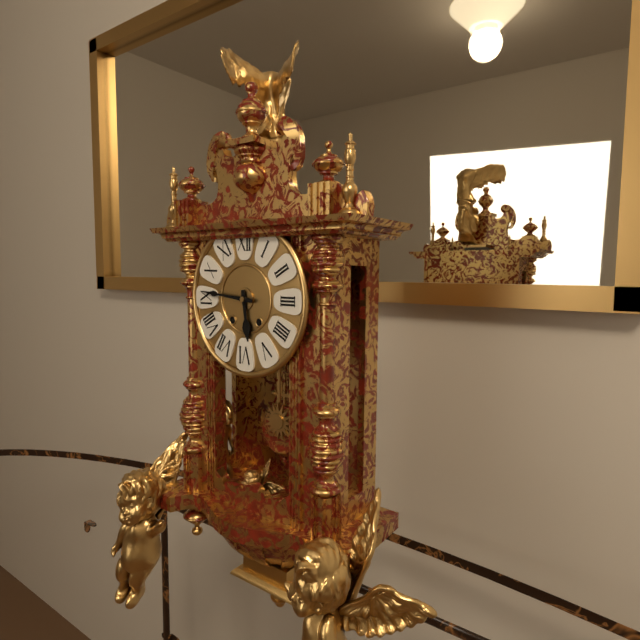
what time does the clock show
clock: 5:46
